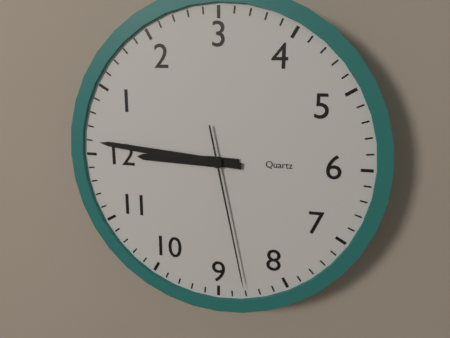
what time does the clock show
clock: 12:01:43
